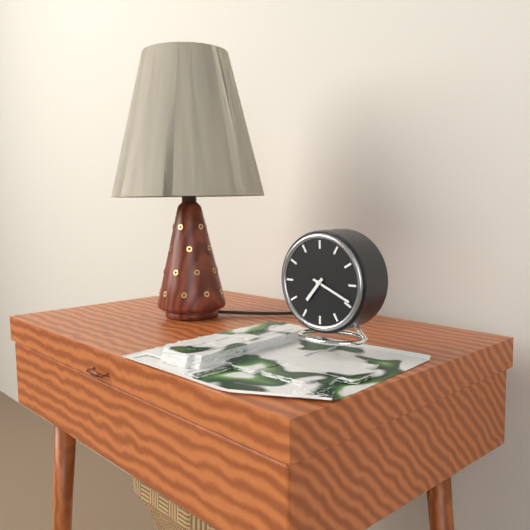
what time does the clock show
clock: 7:19
